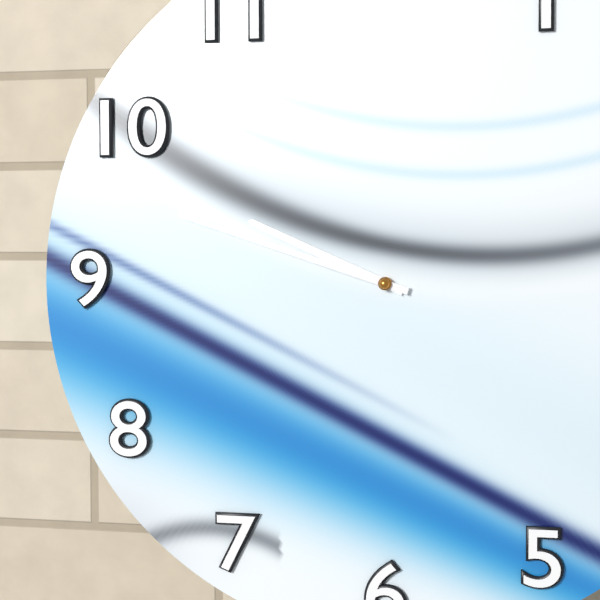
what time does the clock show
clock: 9:48
